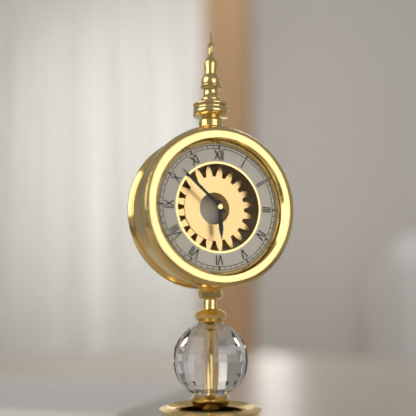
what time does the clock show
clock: 5:52
